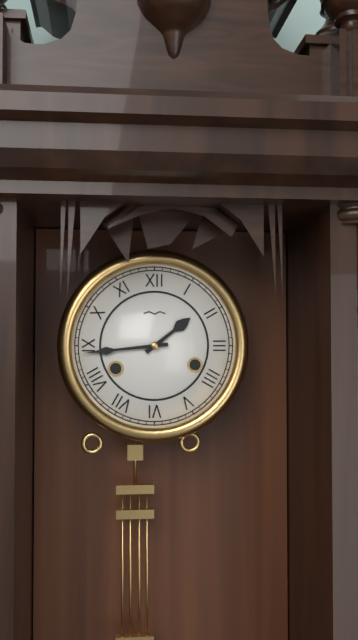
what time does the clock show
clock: 1:44
